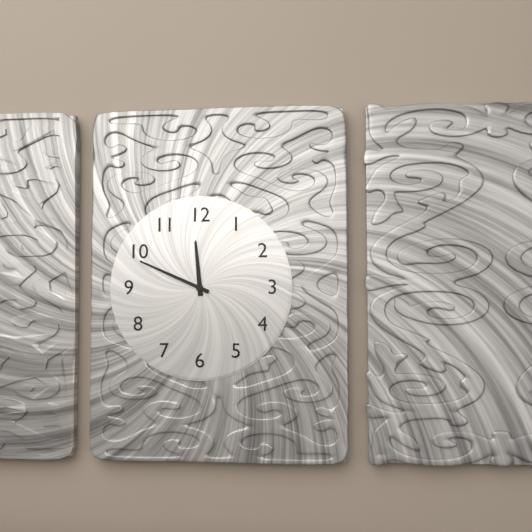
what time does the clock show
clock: 11:49
